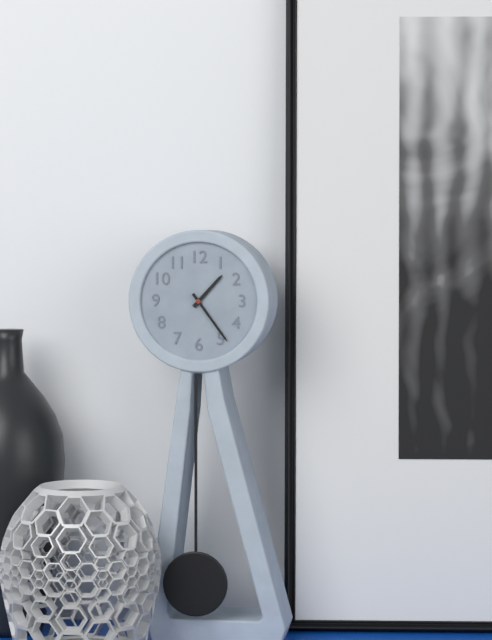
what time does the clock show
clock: 1:24
